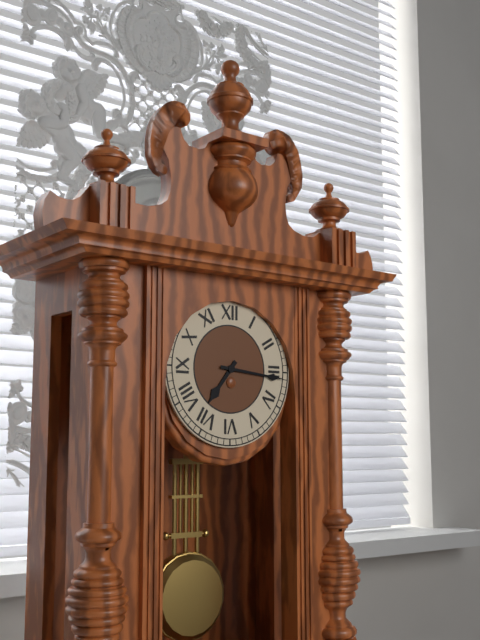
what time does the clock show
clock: 7:16
